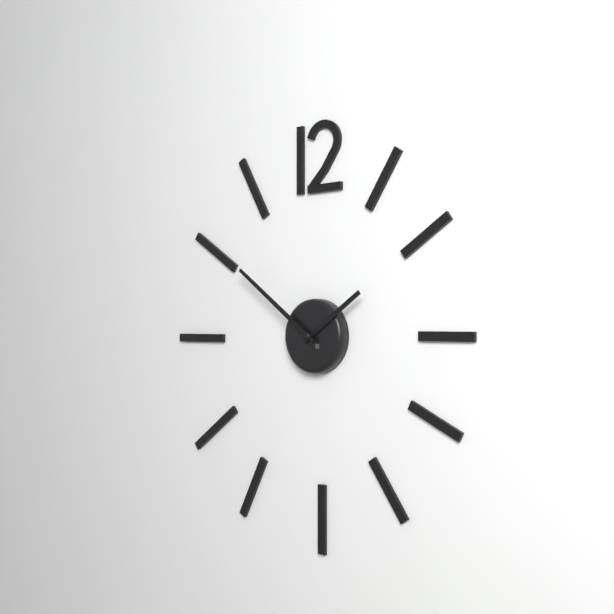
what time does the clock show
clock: 1:51
